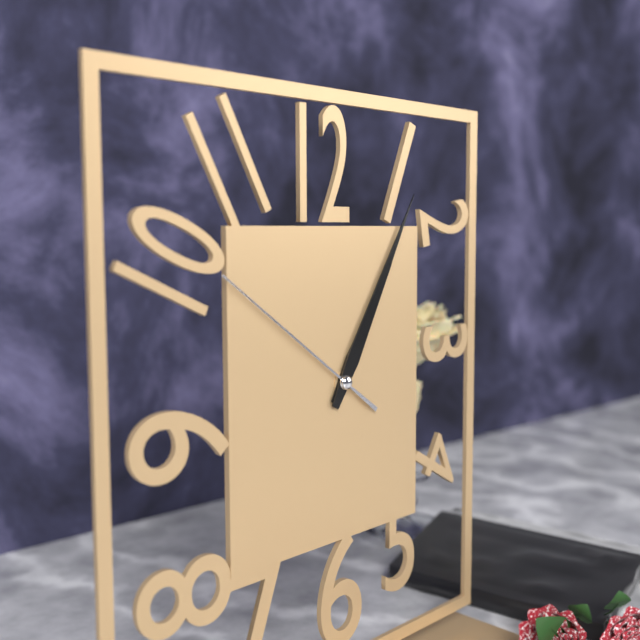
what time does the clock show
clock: 1:05:51
